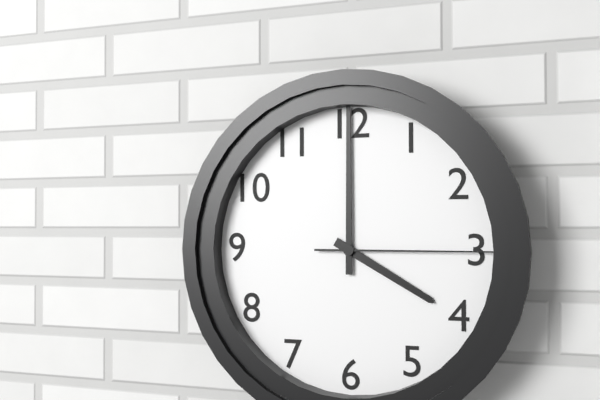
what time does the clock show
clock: 4:00:15
